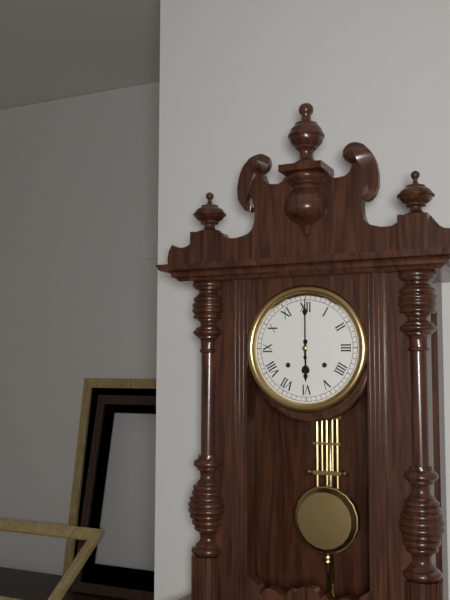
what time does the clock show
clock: 6:00
